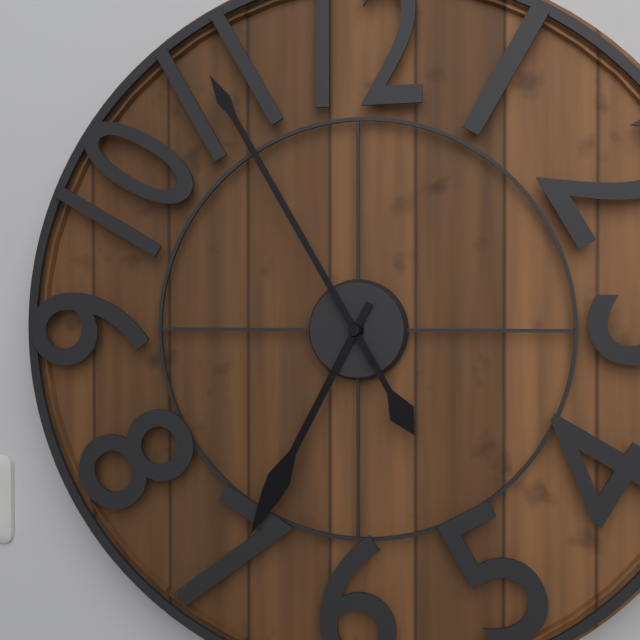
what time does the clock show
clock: 6:55
